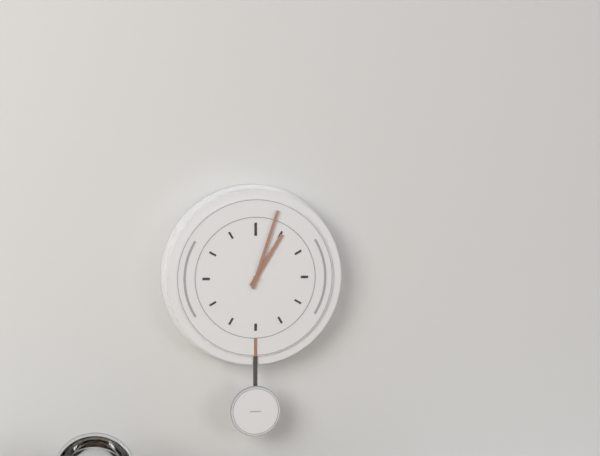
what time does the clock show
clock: 1:03
